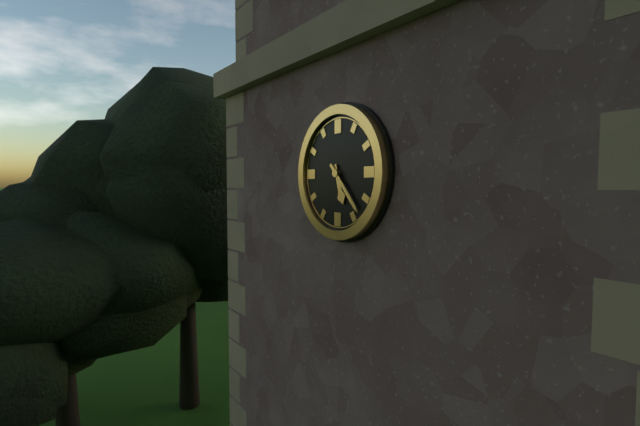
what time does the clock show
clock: 5:23
